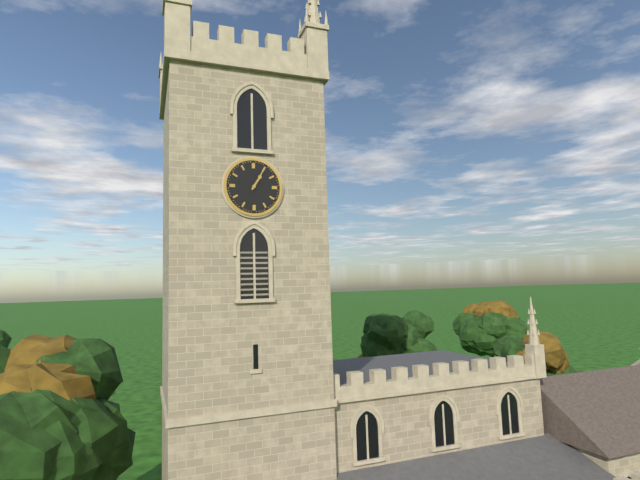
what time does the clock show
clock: 1:05
